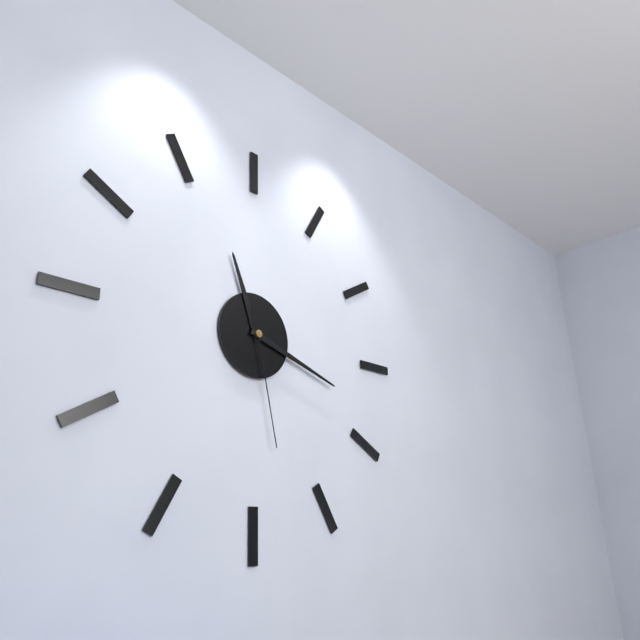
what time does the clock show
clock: 11:18:28
